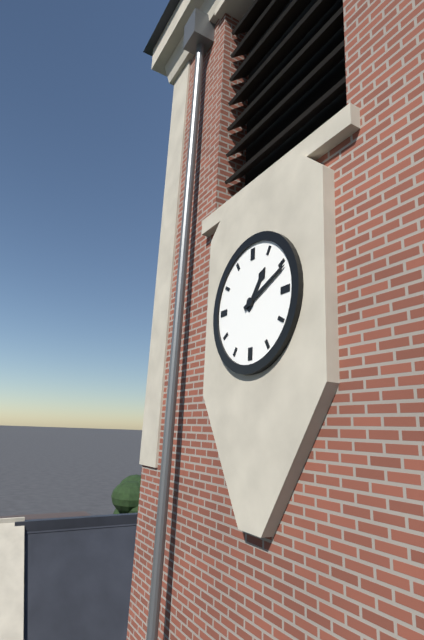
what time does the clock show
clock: 1:11
